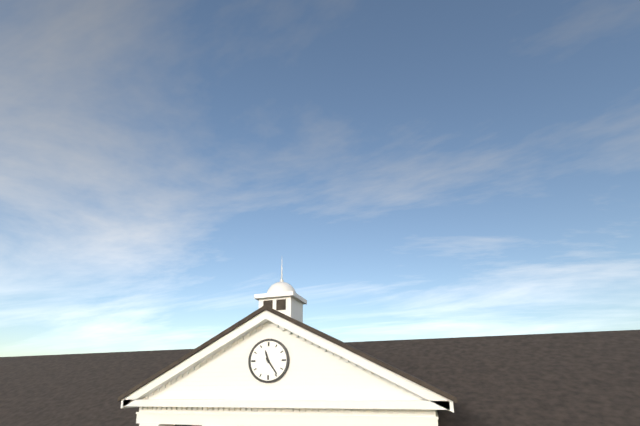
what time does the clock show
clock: 11:24
